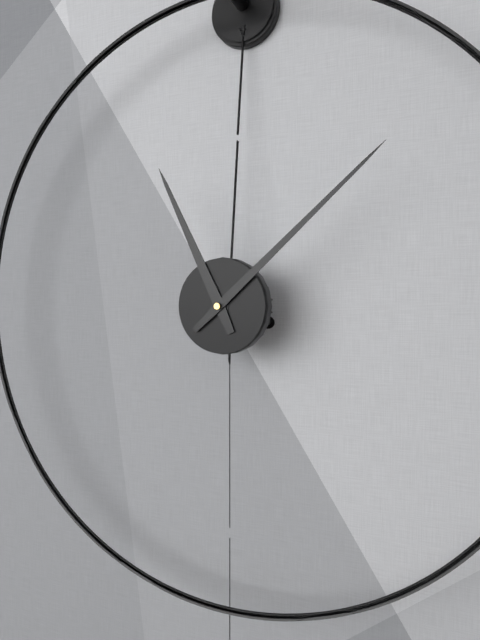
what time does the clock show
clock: 11:08
